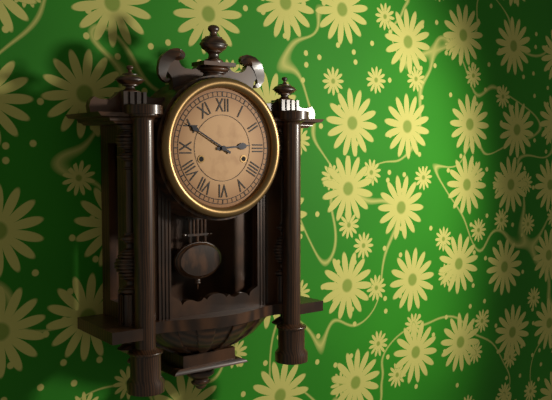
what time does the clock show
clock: 2:50
